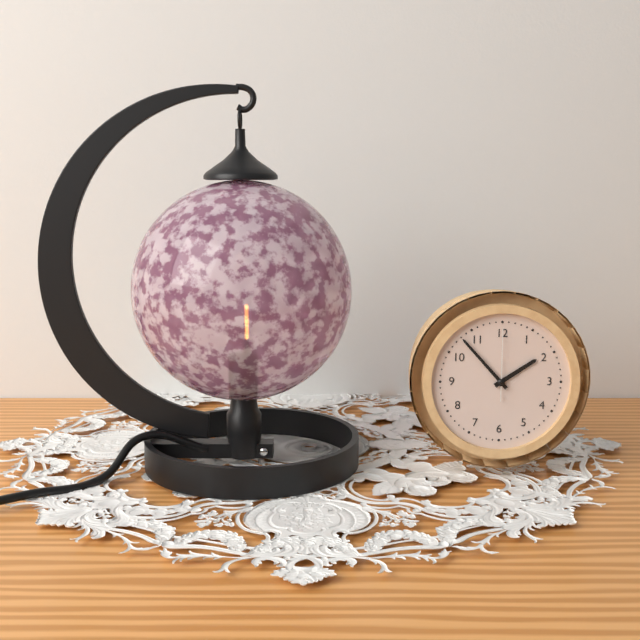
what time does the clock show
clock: 1:53:00
